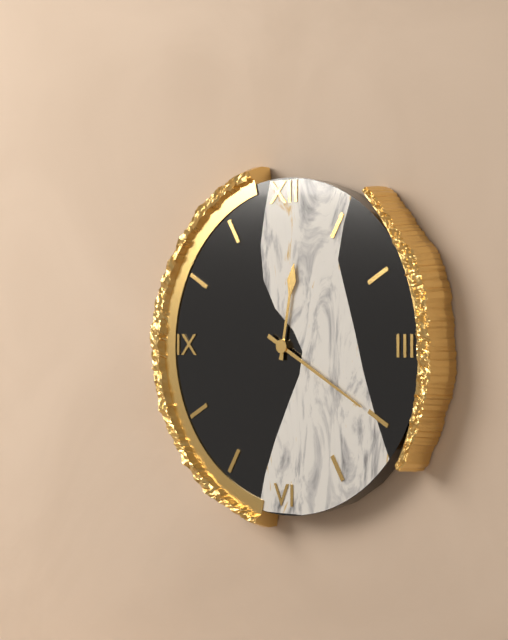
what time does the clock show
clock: 12:20
